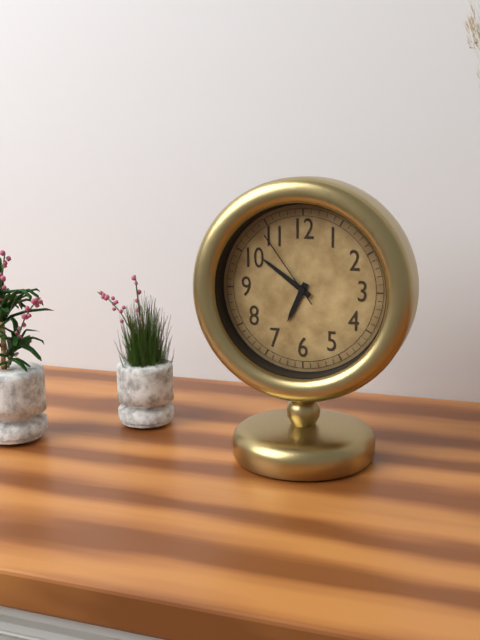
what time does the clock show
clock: 6:51:54
